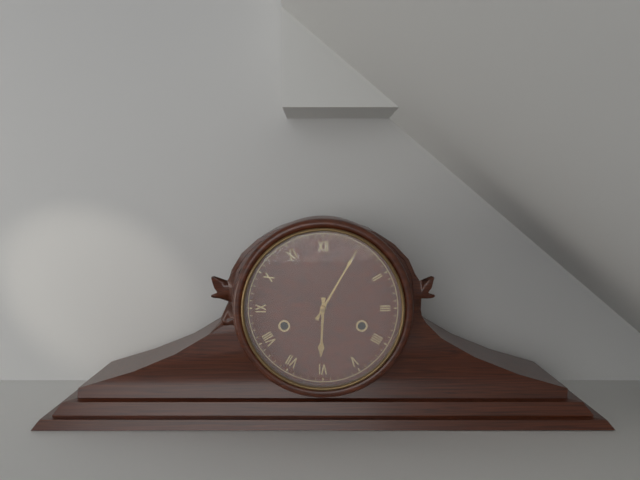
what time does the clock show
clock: 6:05
